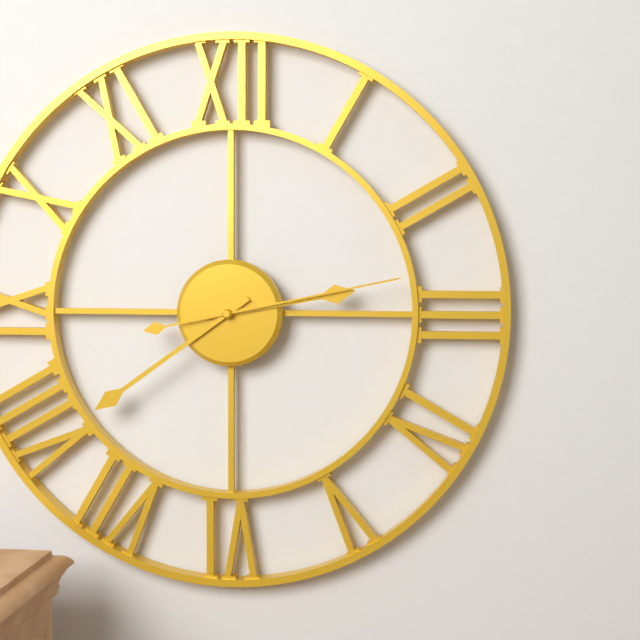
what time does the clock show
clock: 2:39:13
